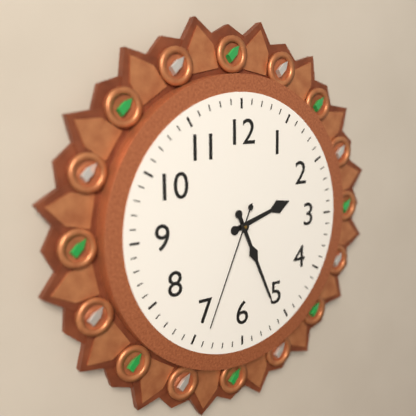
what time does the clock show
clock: 2:26:34
